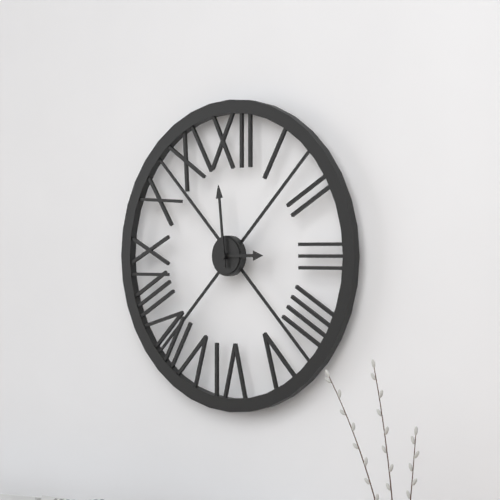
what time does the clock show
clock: 2:59
